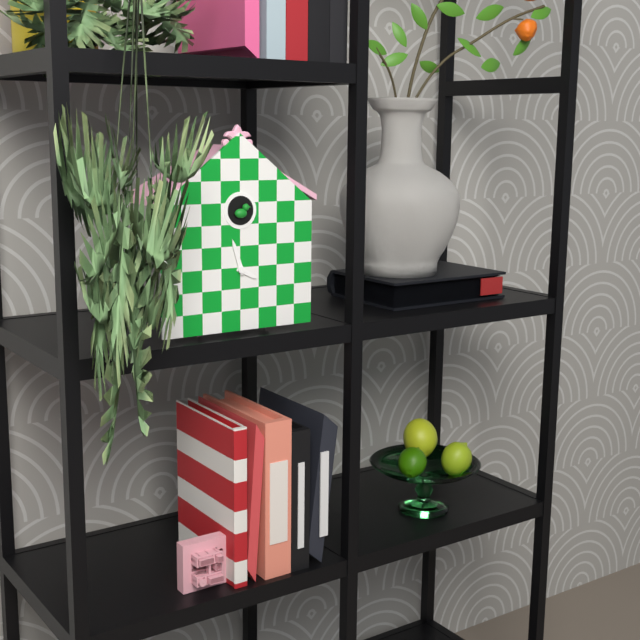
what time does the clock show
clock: 3:57
